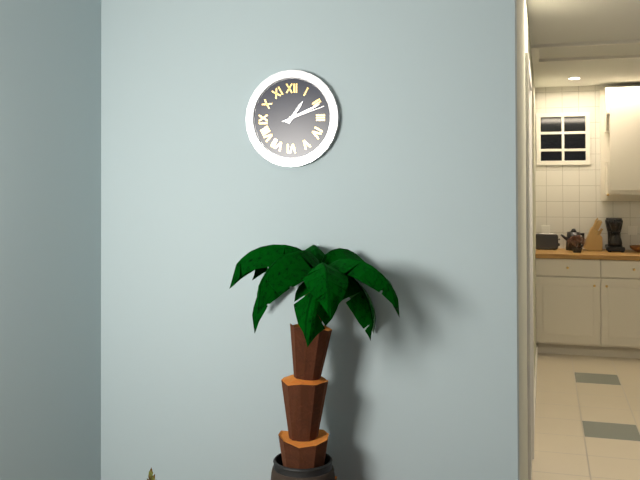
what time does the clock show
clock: 1:11
